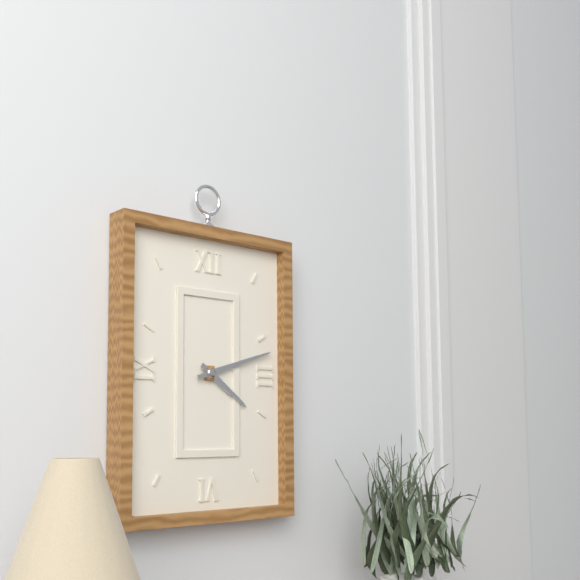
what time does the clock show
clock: 4:12
